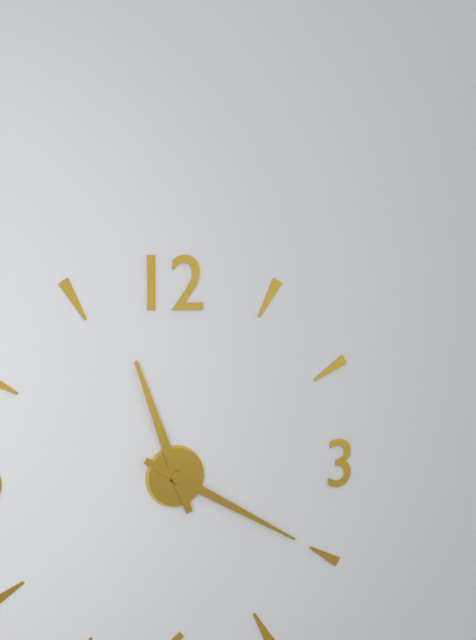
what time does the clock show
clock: 11:20
